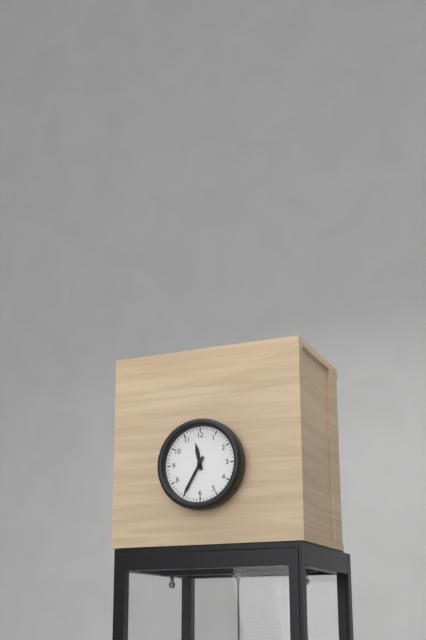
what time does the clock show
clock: 11:35
